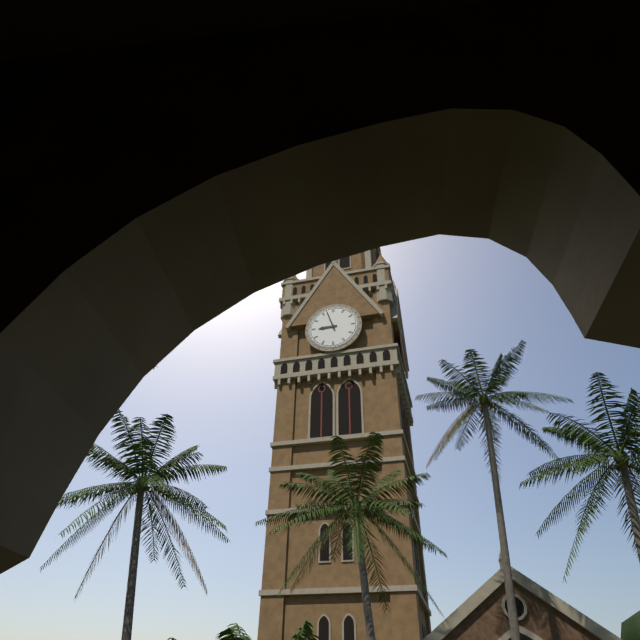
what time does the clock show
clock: 8:57
